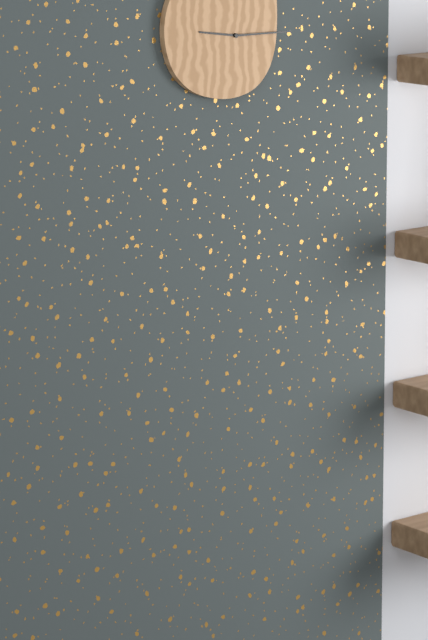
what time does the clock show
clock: 9:15
